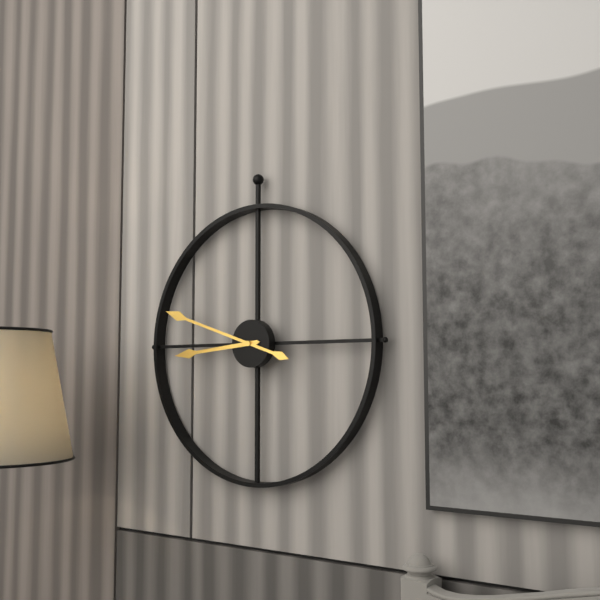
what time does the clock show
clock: 8:48
